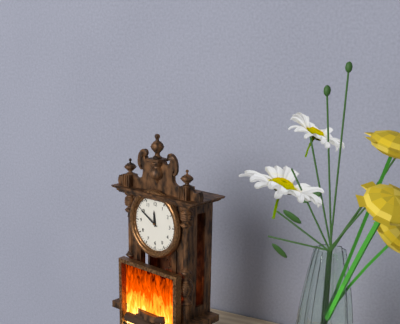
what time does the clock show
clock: 11:50
